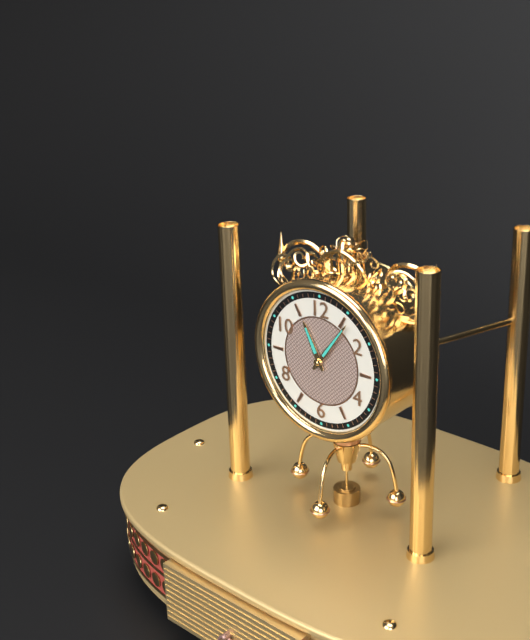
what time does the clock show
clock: 11:06
